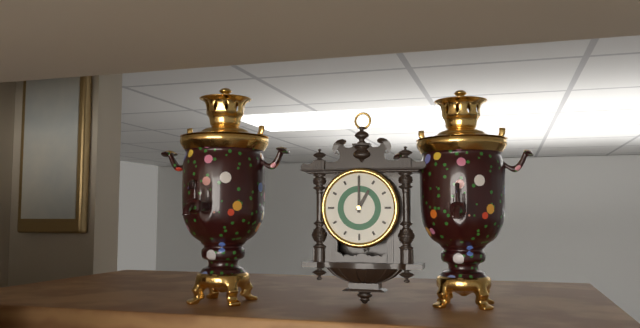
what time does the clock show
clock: 1:00
